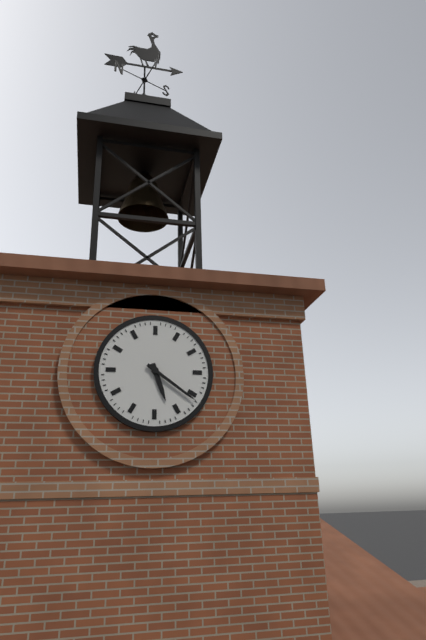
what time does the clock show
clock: 5:21
